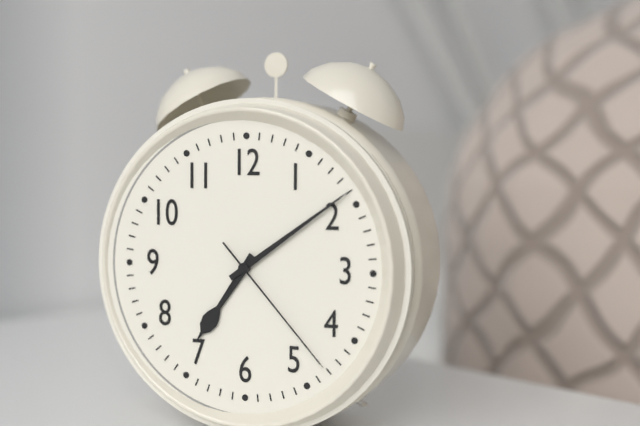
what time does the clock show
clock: 7:09:23
